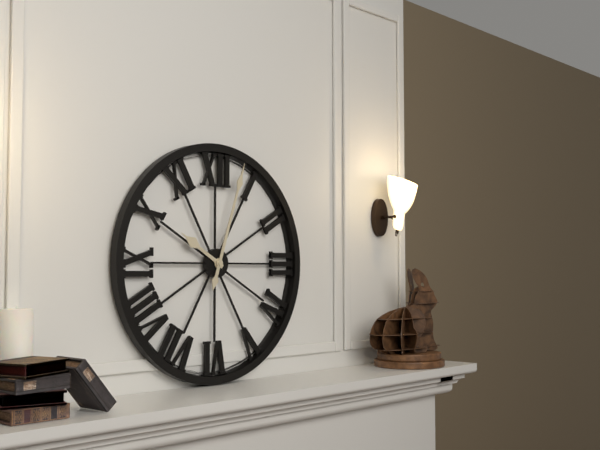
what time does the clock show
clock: 10:03
